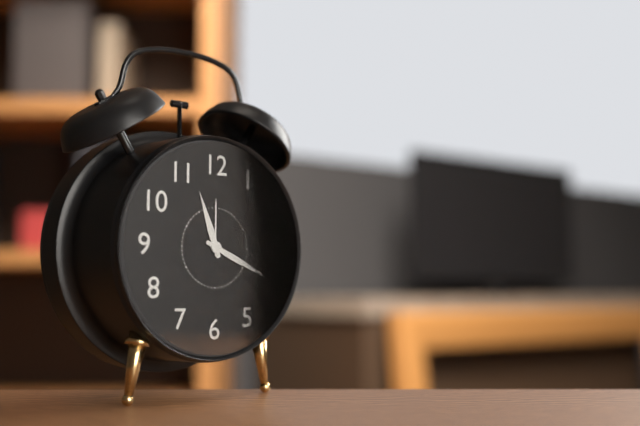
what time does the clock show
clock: 11:19
